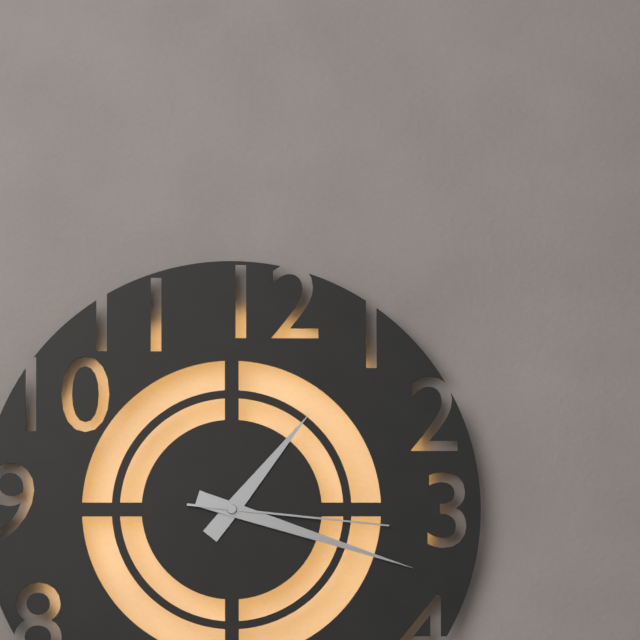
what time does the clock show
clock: 1:18:16
